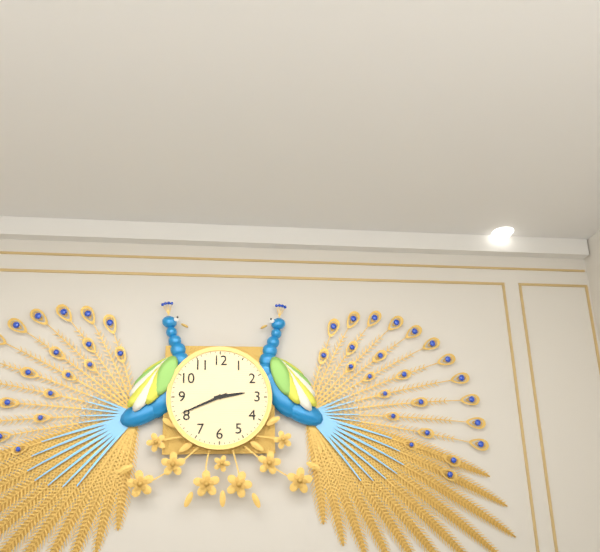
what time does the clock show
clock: 2:41
